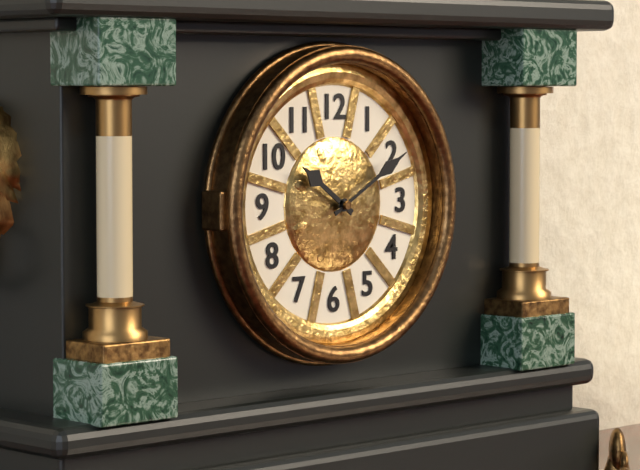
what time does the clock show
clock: 10:10
